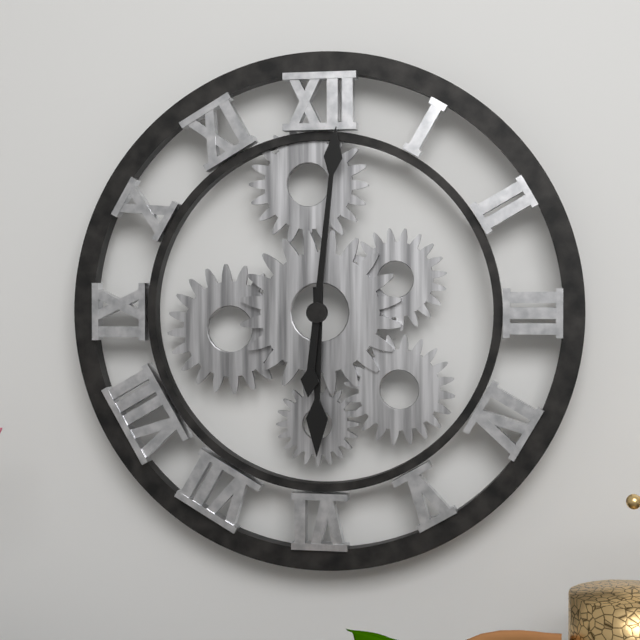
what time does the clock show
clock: 6:01
